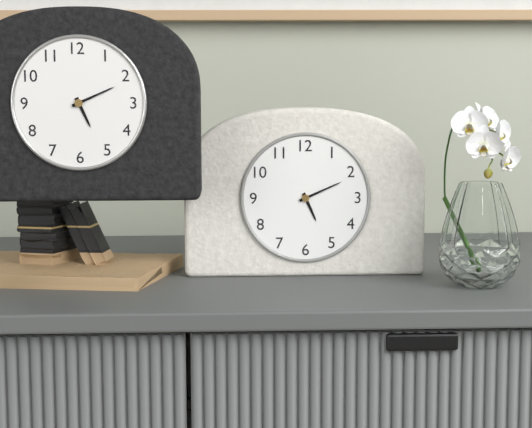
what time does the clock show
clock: 5:11
